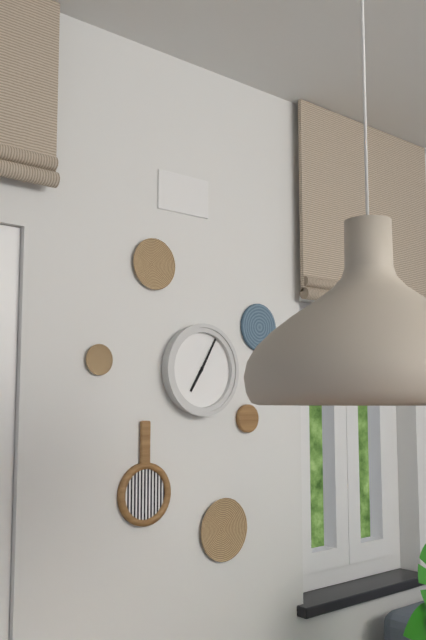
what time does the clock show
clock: 7:05
